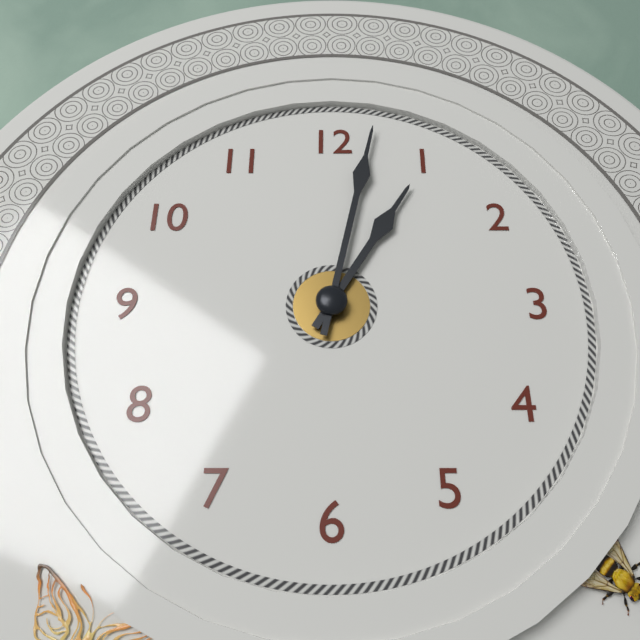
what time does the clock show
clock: 1:02
